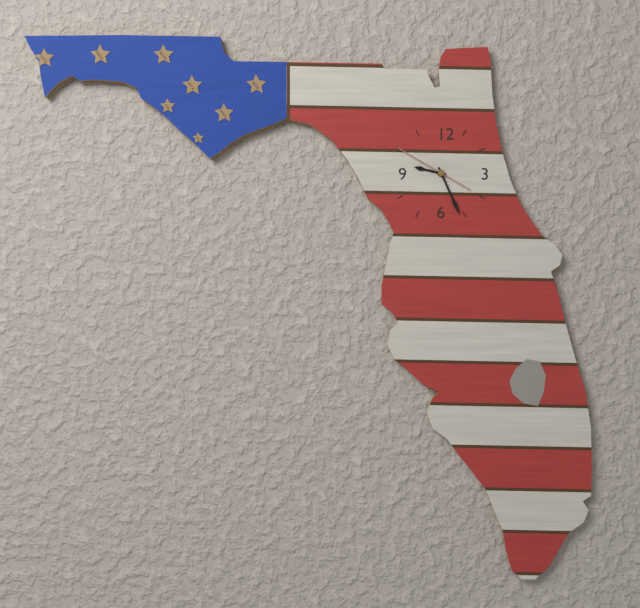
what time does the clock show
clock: 9:26:50
